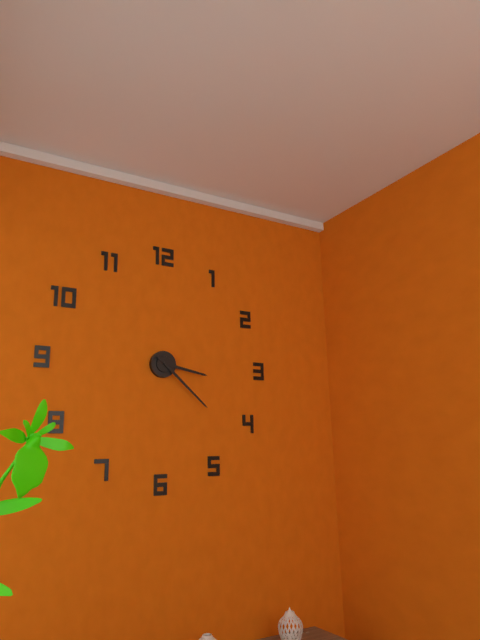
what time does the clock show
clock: 3:22
